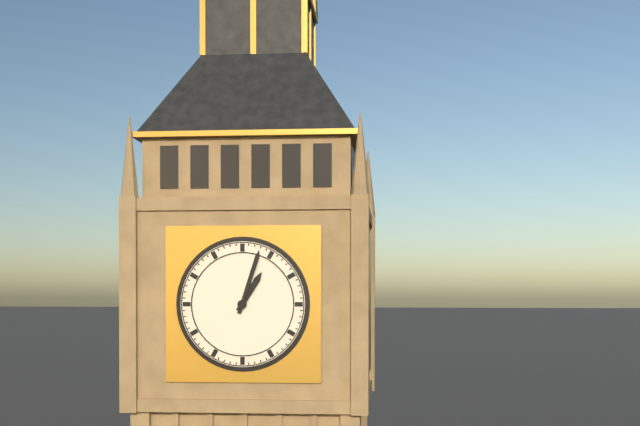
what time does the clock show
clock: 1:03
